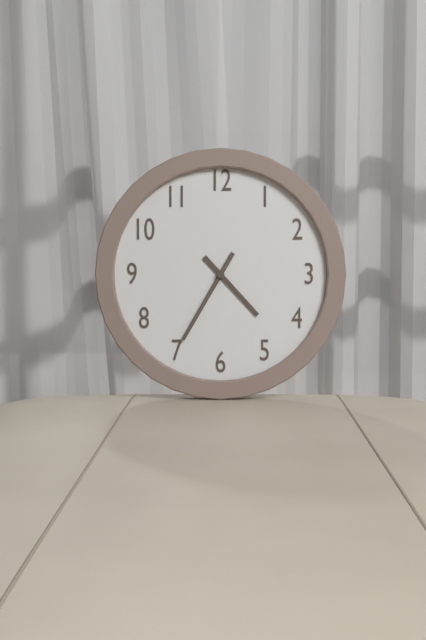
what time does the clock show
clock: 4:35:35
